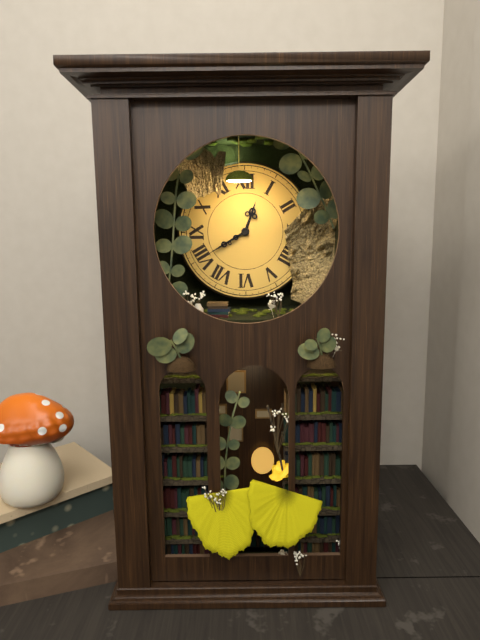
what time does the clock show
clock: 12:40
